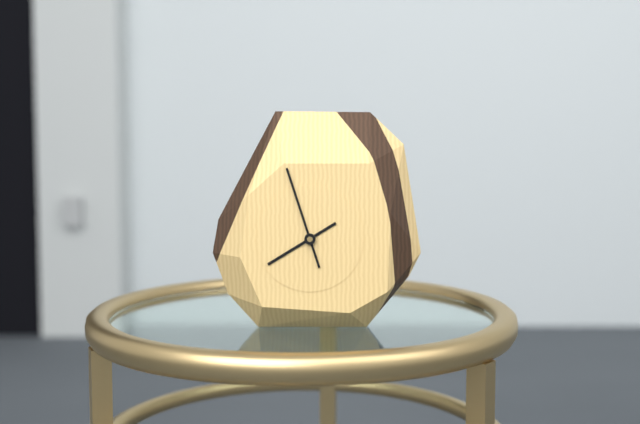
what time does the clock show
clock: 7:57
